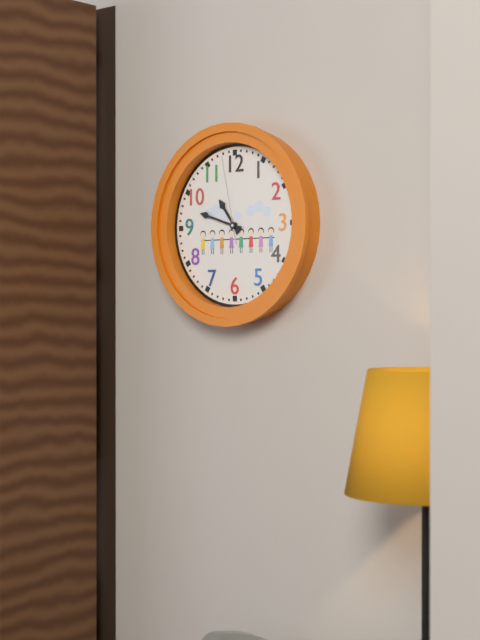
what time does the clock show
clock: 10:48:58
